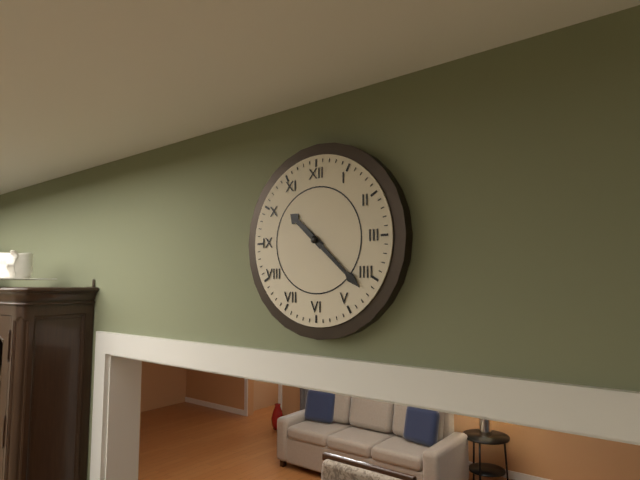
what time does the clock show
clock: 10:22
